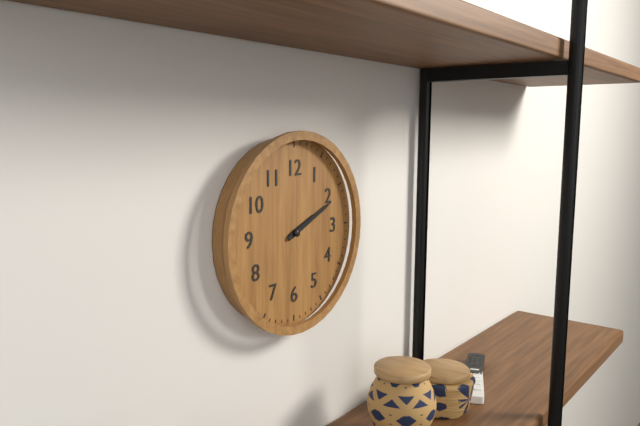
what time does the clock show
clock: 2:11
